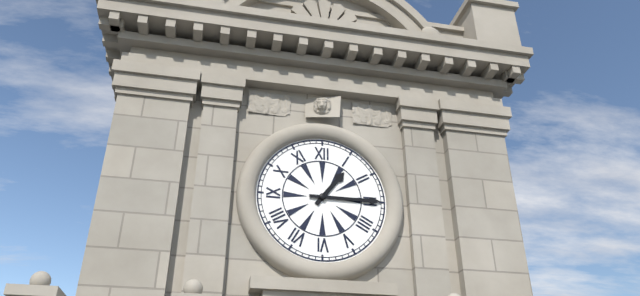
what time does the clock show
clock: 1:15
